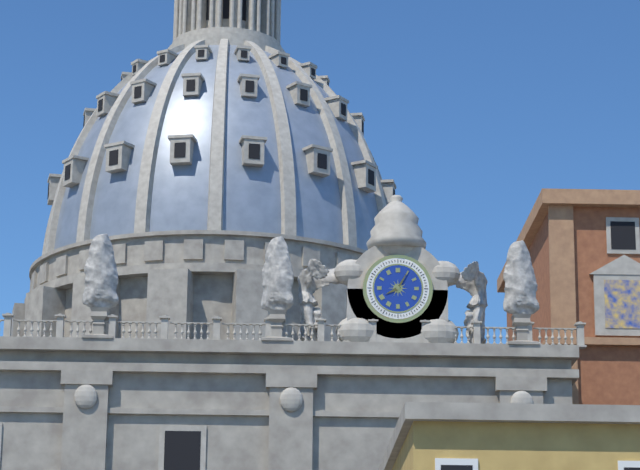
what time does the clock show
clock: 8:05
